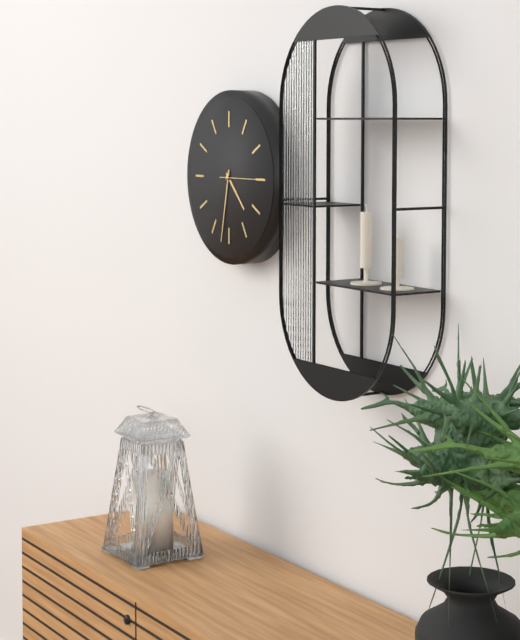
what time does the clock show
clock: 4:32
